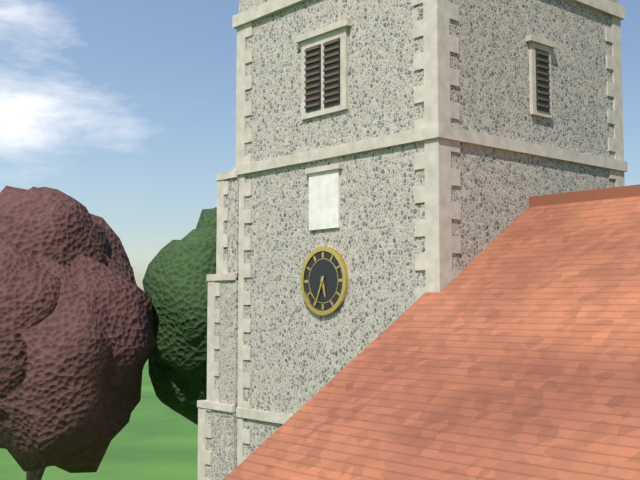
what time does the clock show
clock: 5:34
